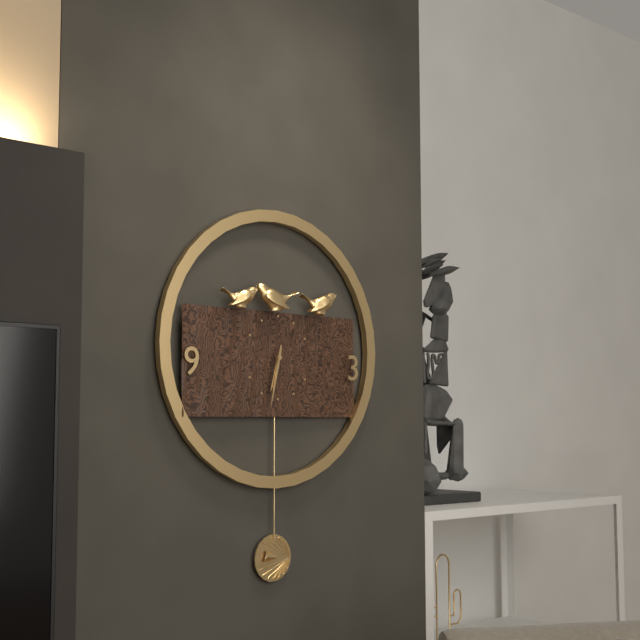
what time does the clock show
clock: 6:32
